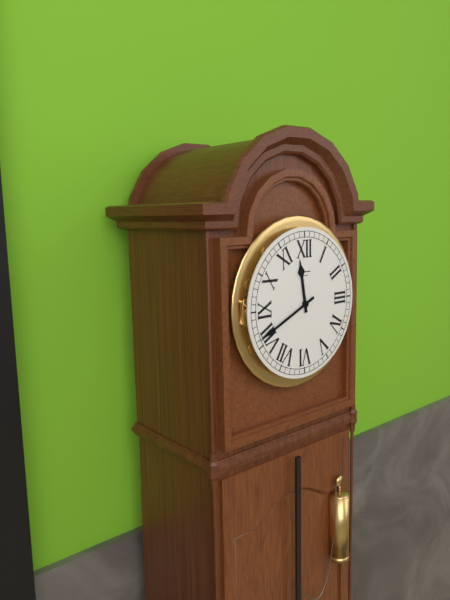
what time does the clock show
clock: 11:41
